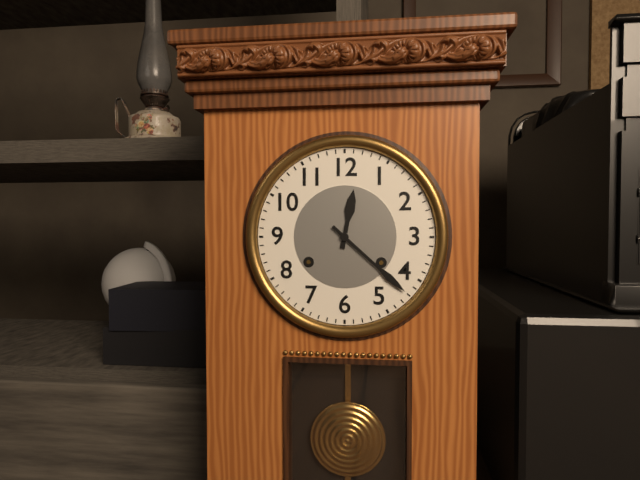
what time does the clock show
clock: 12:22
